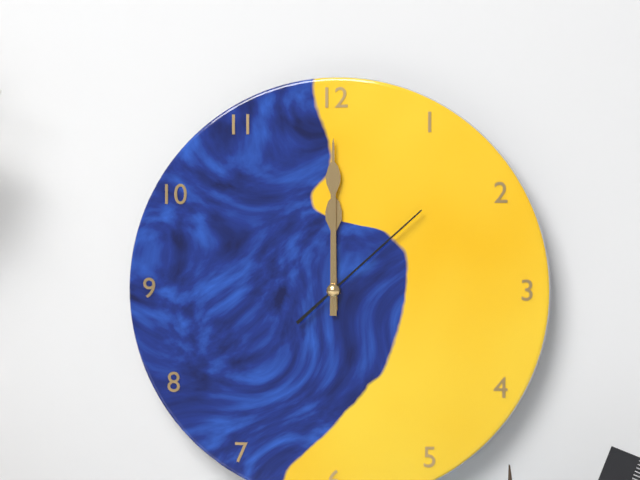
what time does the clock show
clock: 12:00:08
